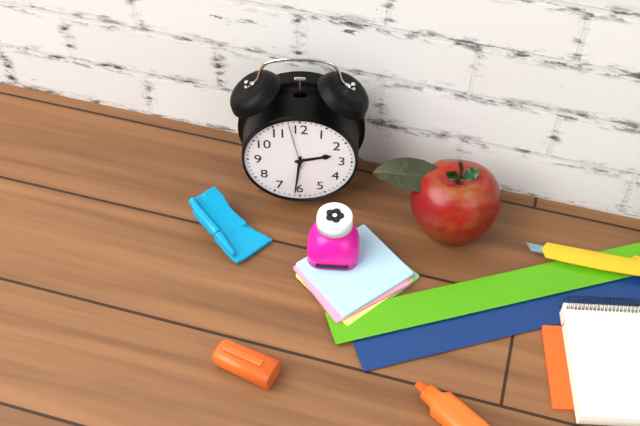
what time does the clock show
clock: 2:31
